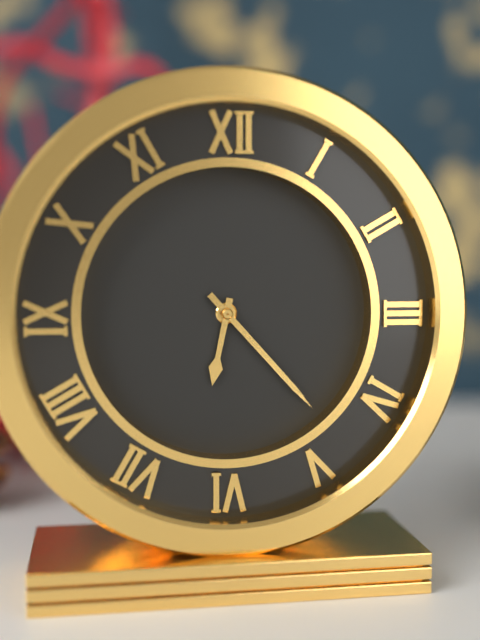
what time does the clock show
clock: 6:23
